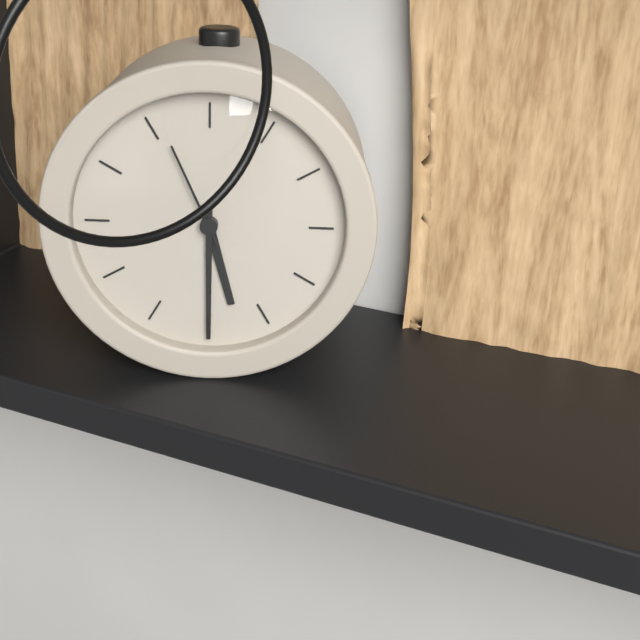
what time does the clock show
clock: 5:30:56
